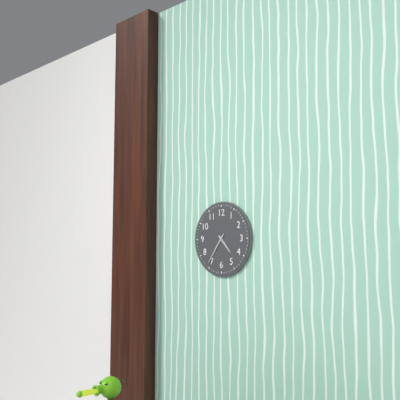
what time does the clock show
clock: 4:36
